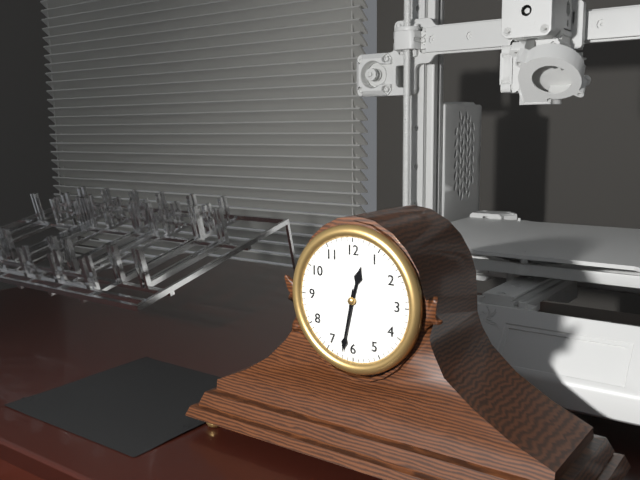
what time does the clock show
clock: 12:32
